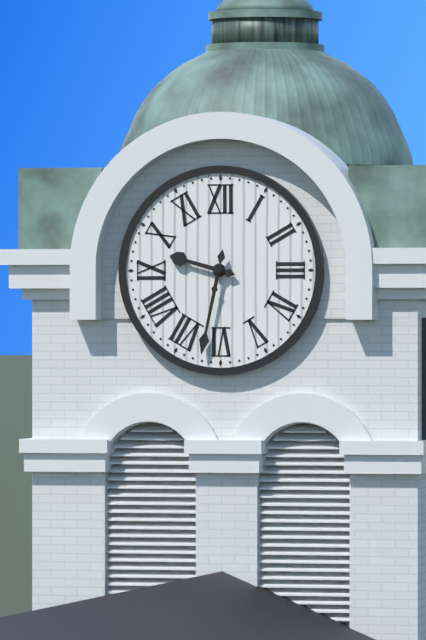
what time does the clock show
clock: 9:32
